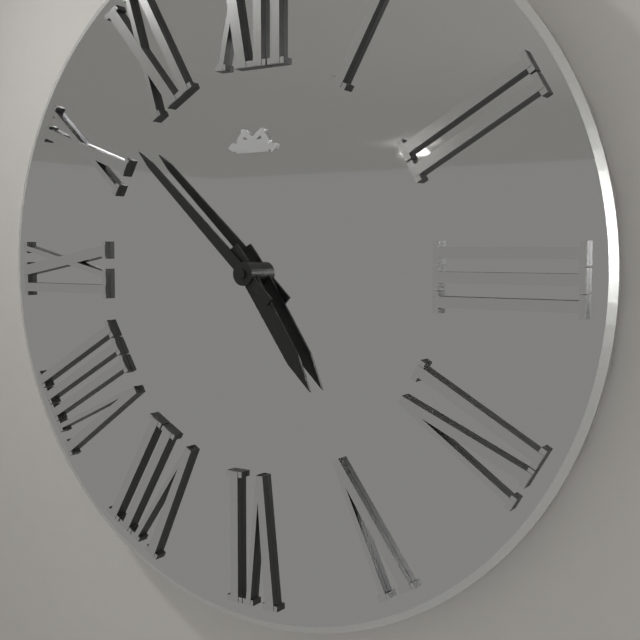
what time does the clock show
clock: 4:52
